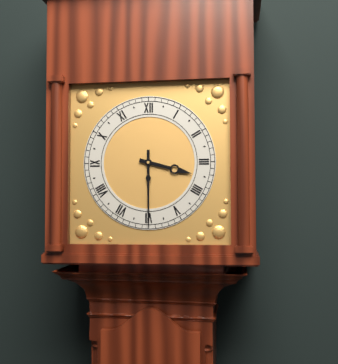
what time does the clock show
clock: 3:30
